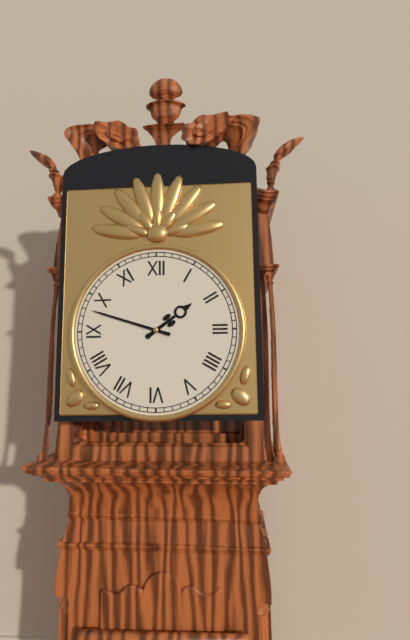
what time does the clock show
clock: 1:48
